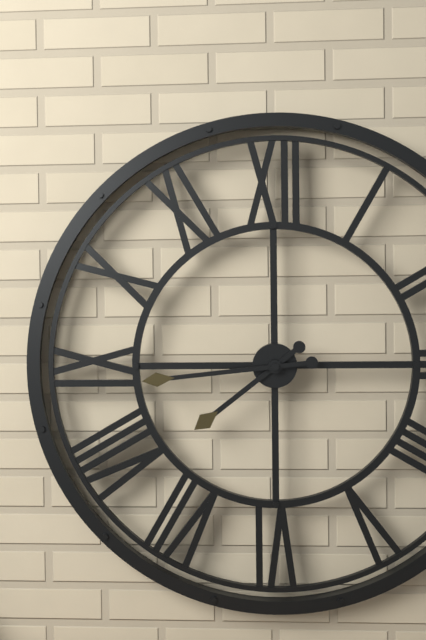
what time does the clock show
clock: 7:44
